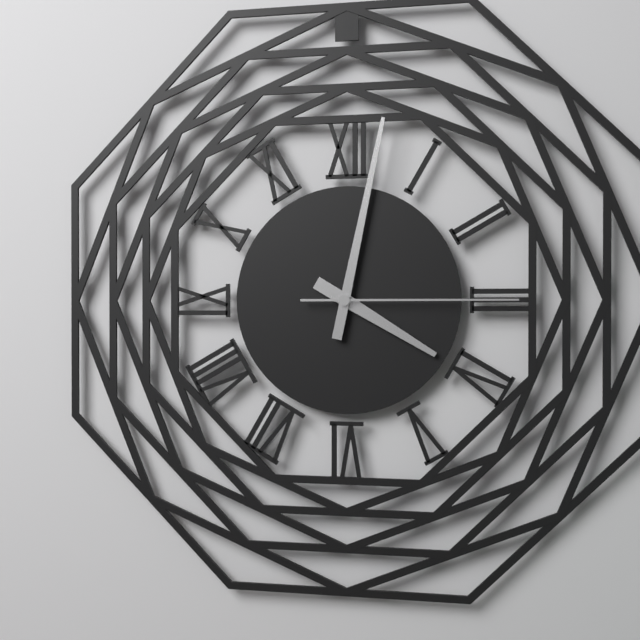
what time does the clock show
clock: 4:02:15
